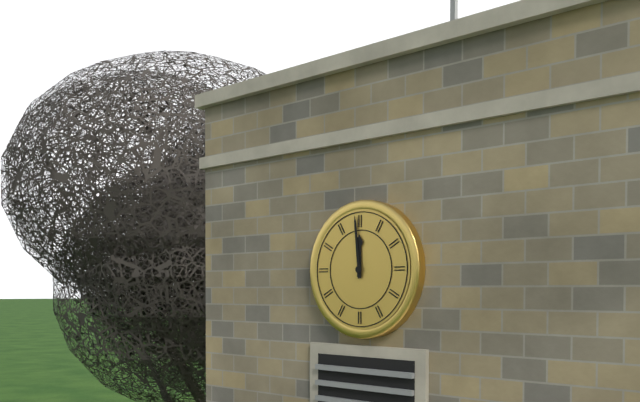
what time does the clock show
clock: 11:59
